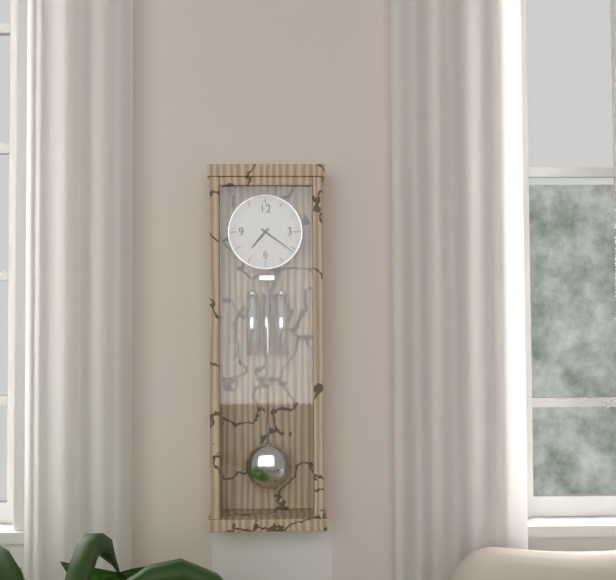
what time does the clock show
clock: 7:21
